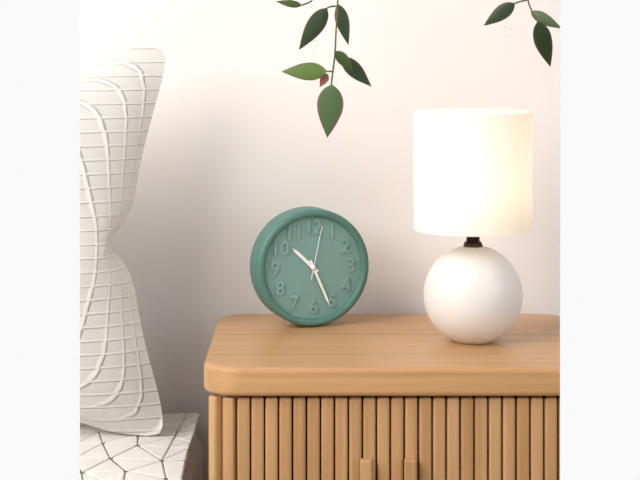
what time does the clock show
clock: 10:26:02
